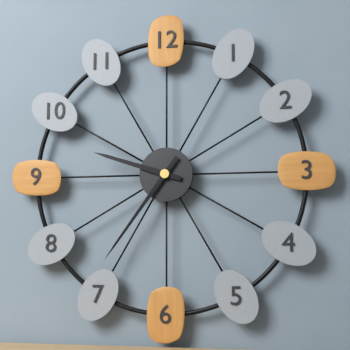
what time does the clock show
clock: 9:36
